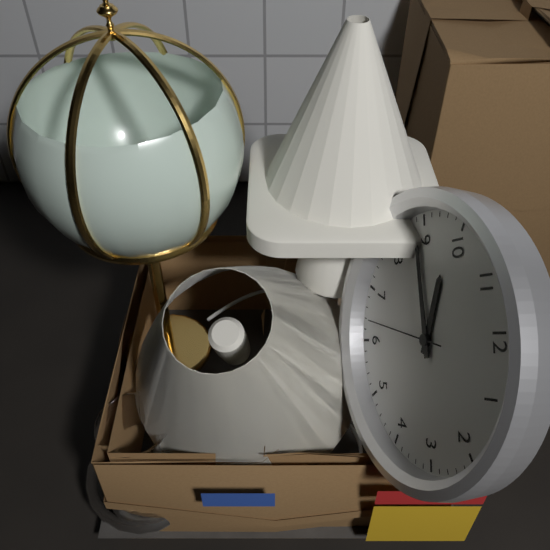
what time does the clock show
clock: 9:44:32
